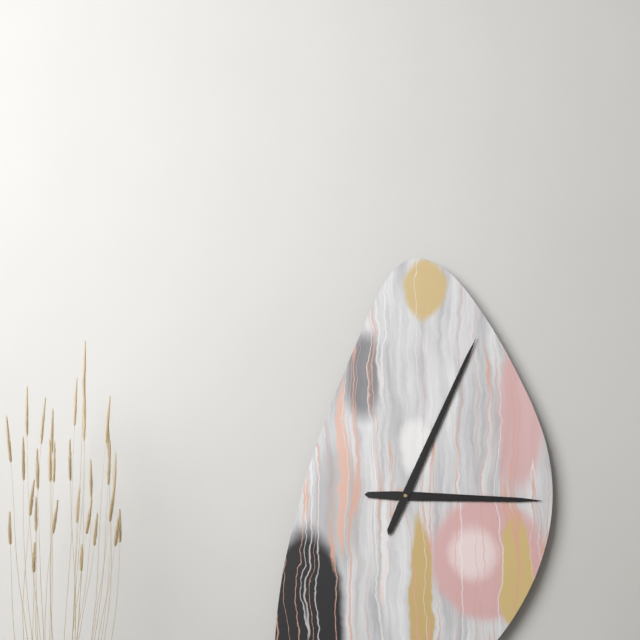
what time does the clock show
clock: 3:04
